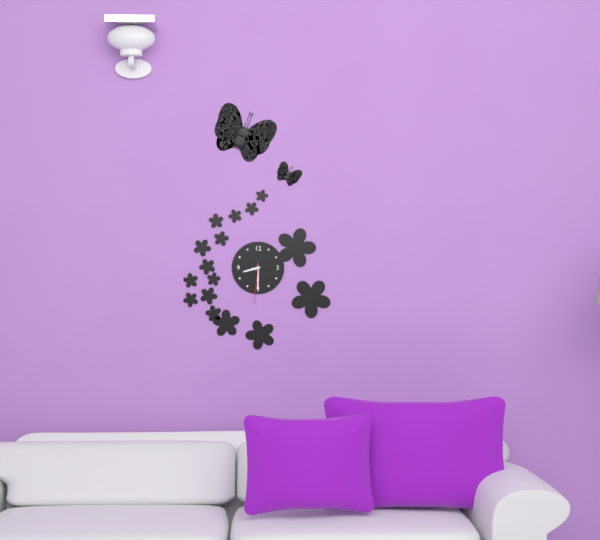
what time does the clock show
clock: 8:30
